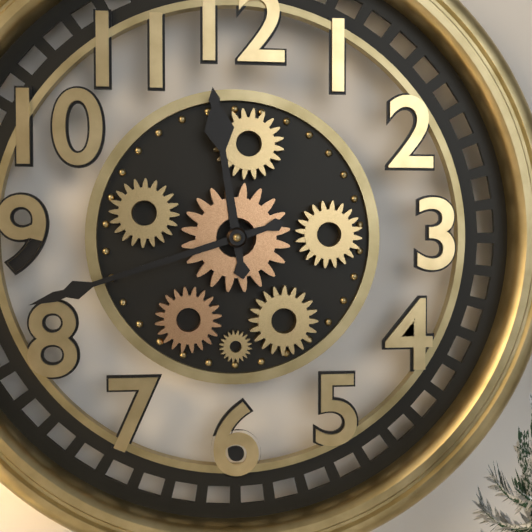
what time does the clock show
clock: 11:42
